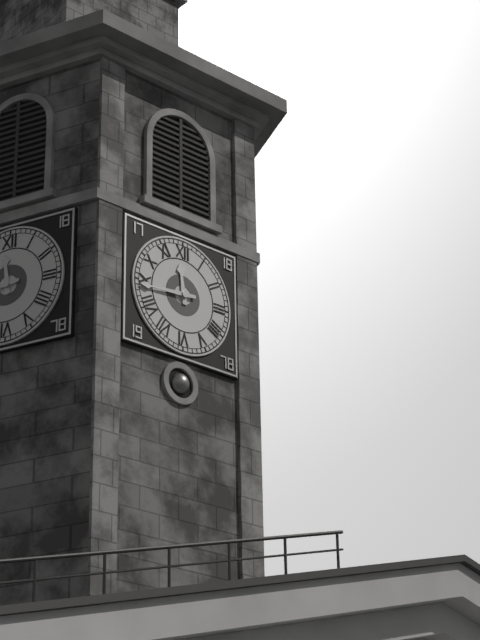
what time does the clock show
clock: 11:44
